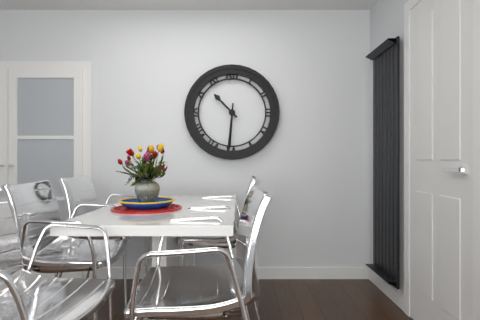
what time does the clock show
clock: 10:31
